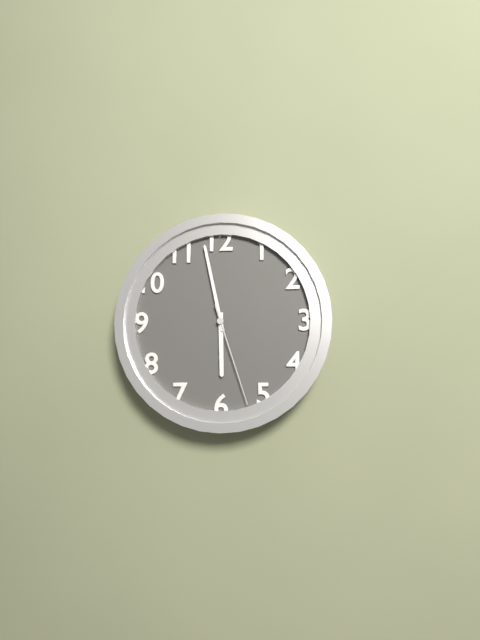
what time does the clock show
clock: 5:58:27
